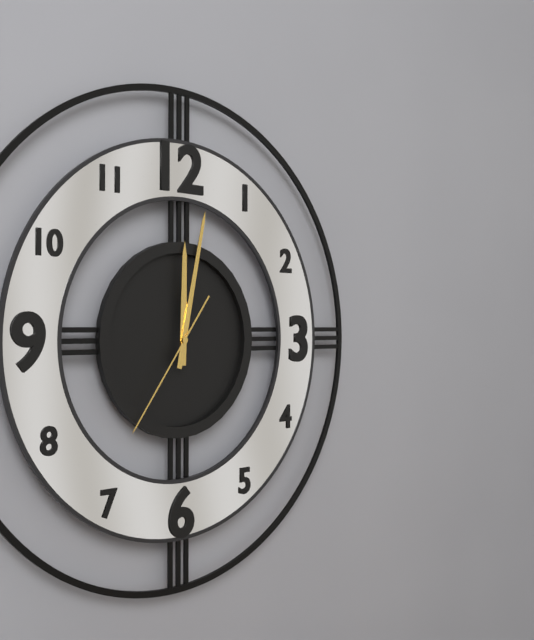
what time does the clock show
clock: 12:02:36
